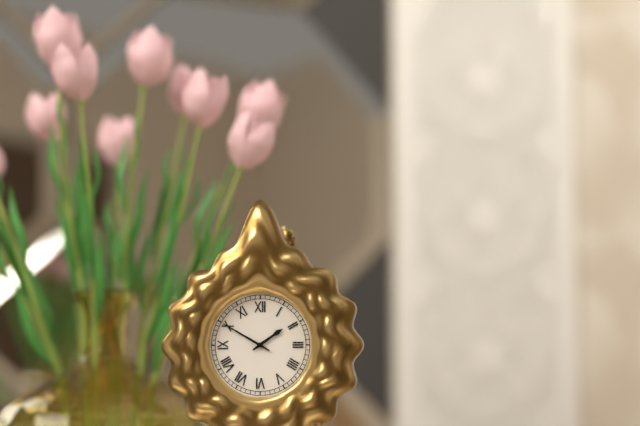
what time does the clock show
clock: 1:50
